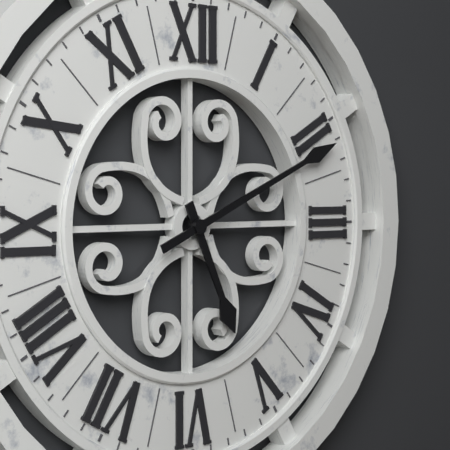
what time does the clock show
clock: 5:11
